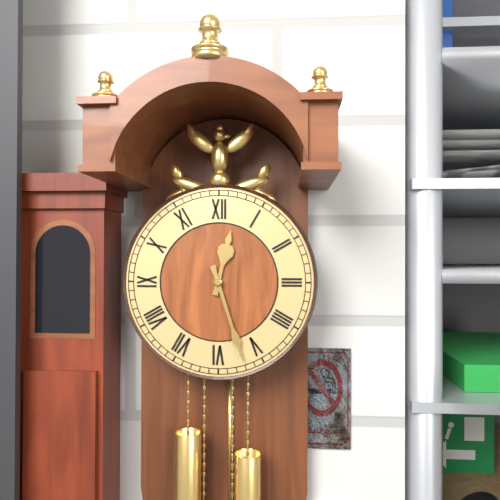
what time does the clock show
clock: 12:27
